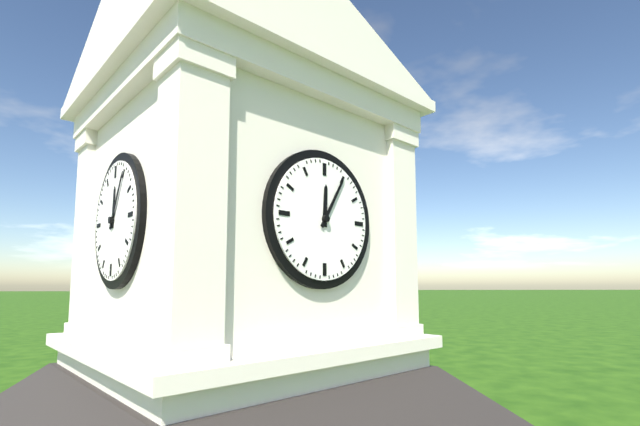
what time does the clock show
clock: 12:05
